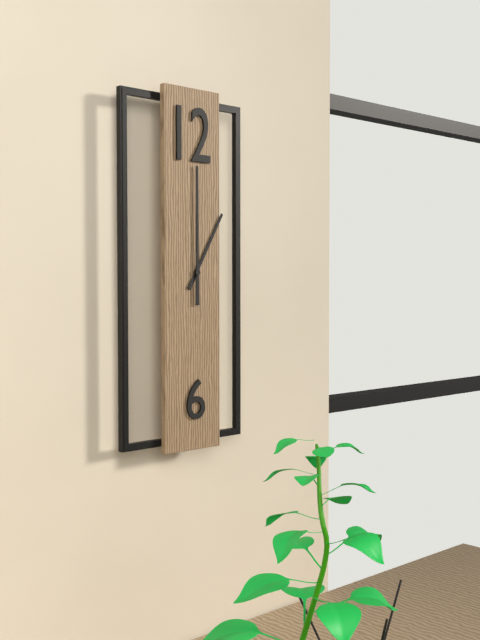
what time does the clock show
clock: 1:00
